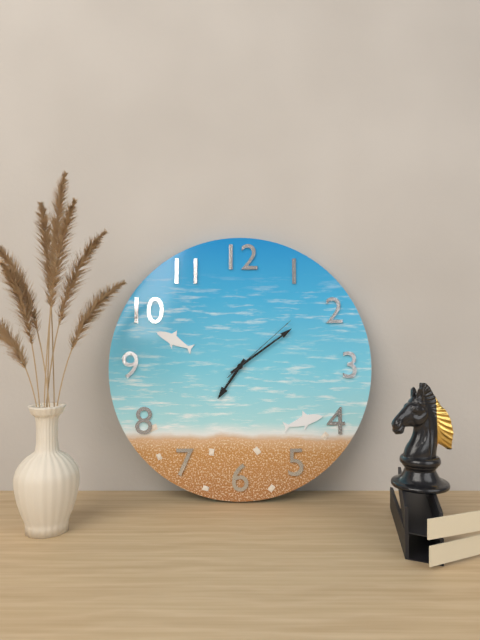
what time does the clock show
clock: 7:09:08
